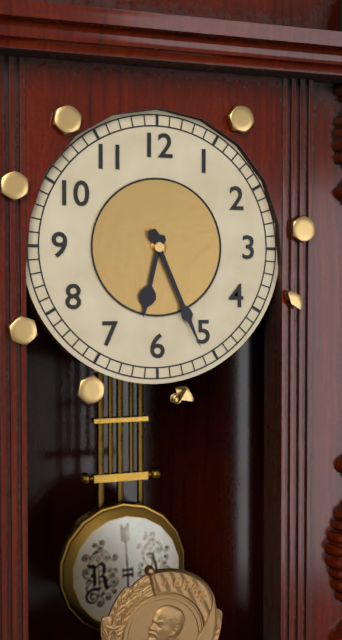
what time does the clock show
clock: 6:26
